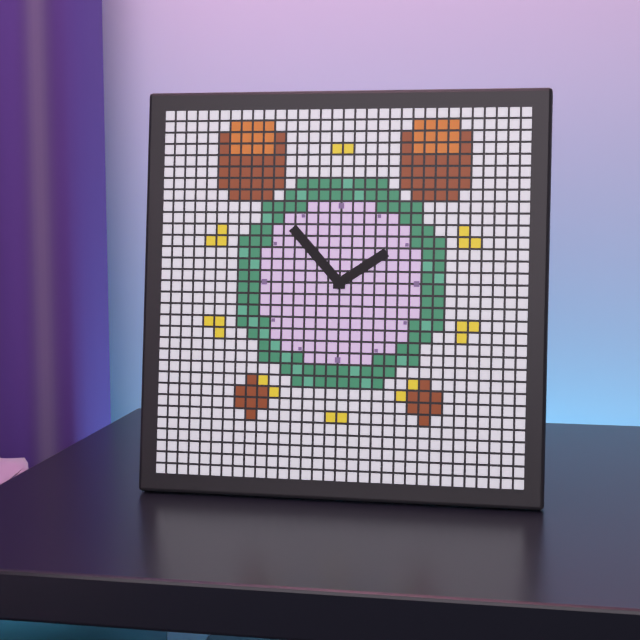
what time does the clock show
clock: 1:53
